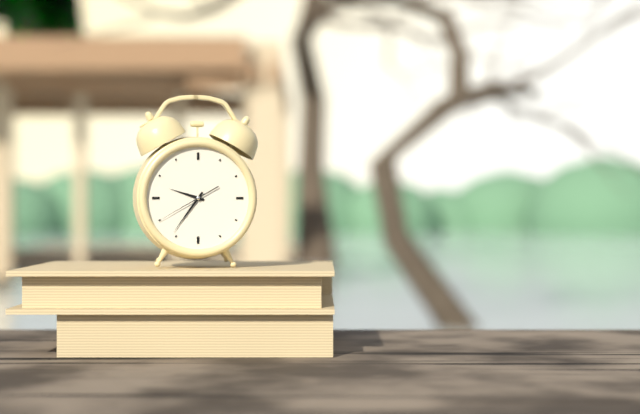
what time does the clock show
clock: 9:36:40
